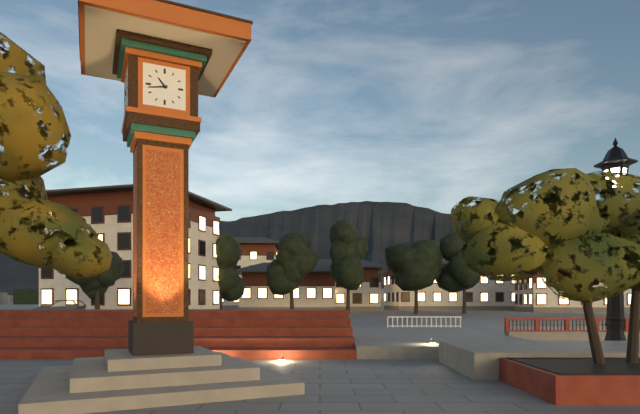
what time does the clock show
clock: 10:43
